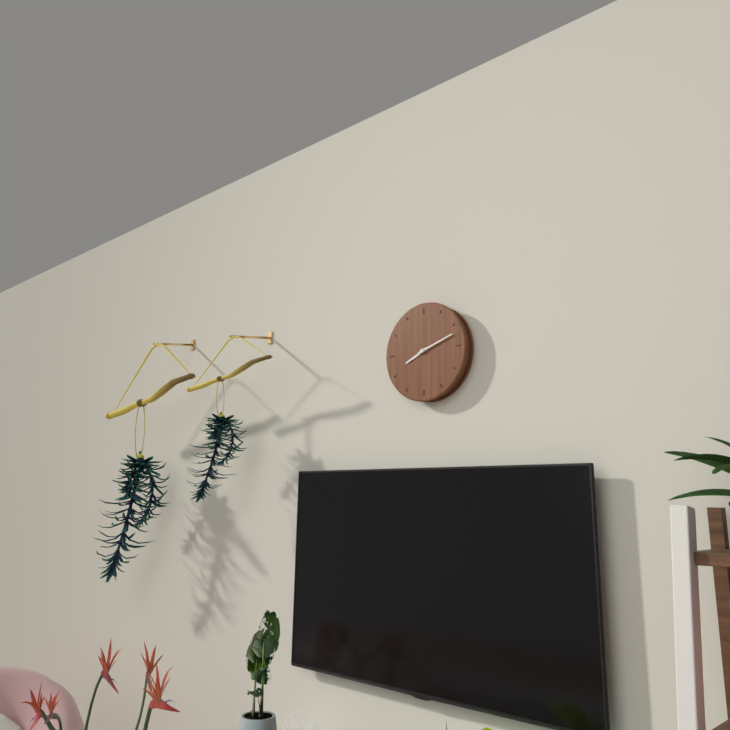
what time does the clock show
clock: 8:12
